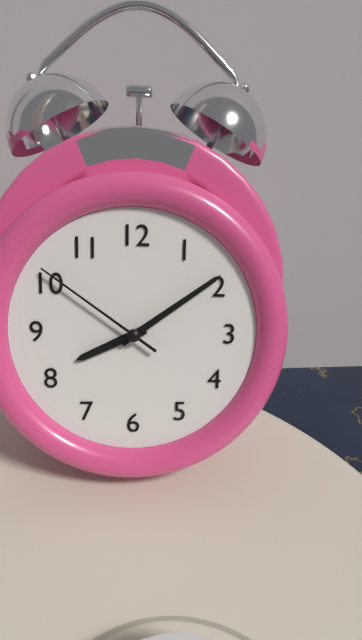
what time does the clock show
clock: 8:09:51
